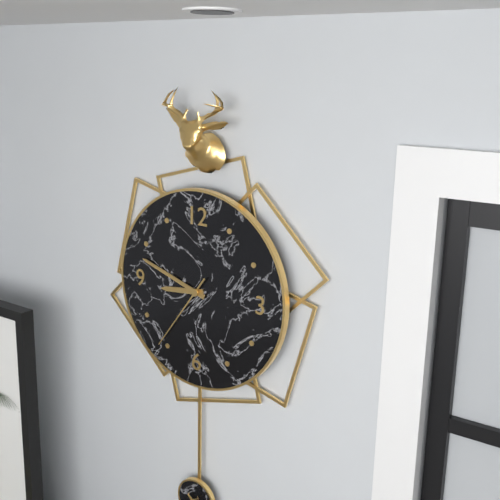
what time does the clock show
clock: 8:48:36
